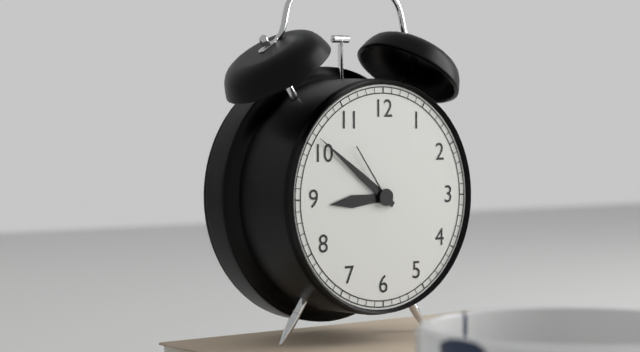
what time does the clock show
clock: 8:51:54
